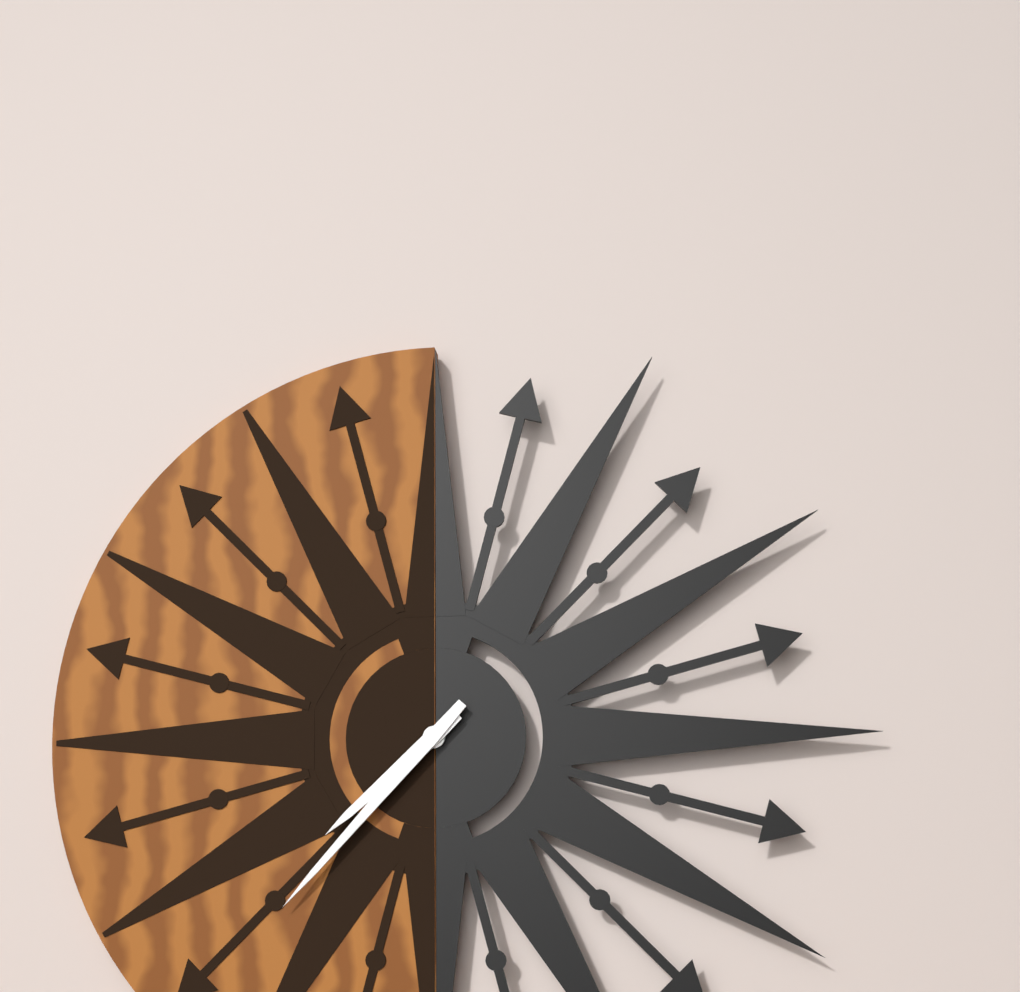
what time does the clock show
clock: 7:37
